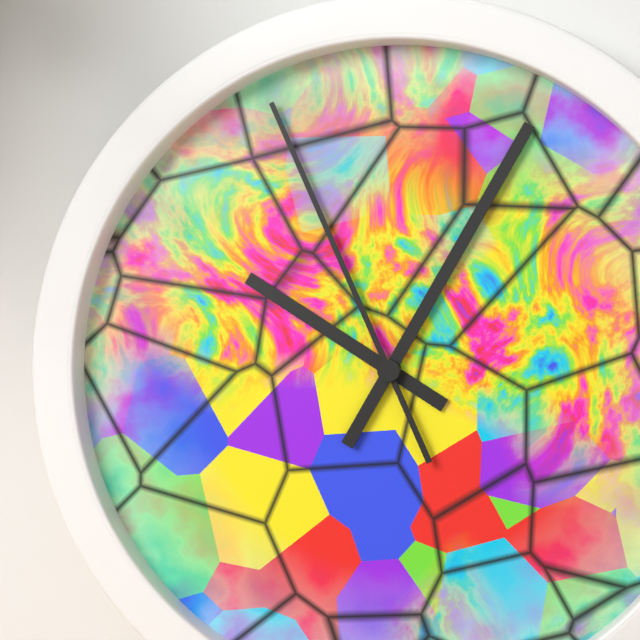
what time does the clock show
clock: 10:05:56
